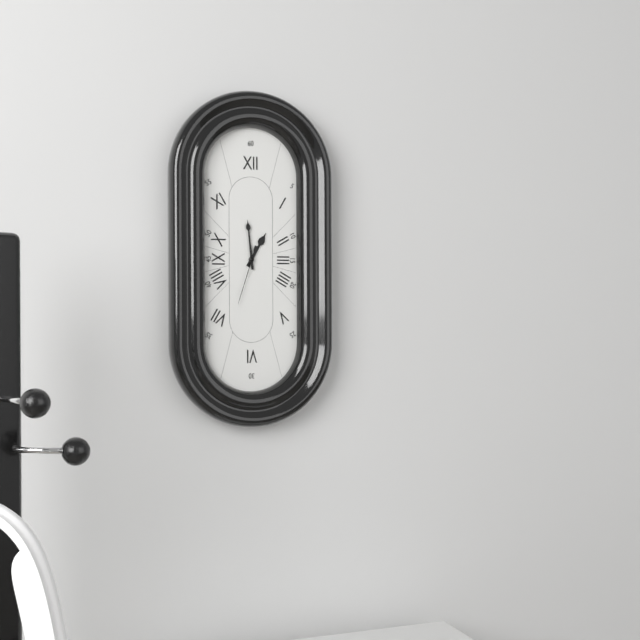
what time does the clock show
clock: 12:59:33
